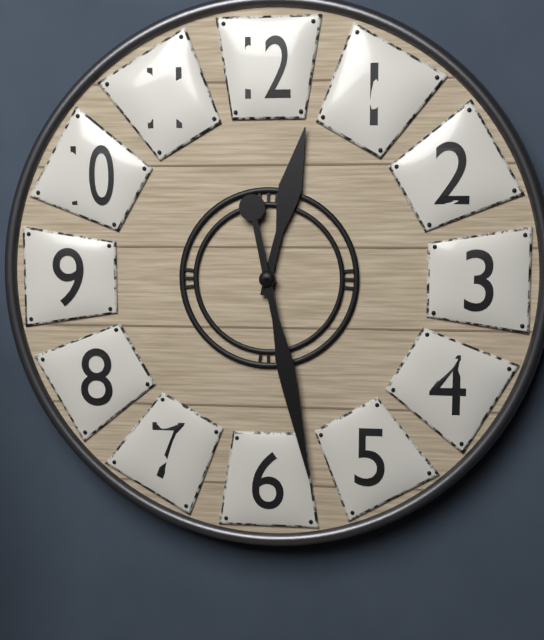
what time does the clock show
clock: 12:28
